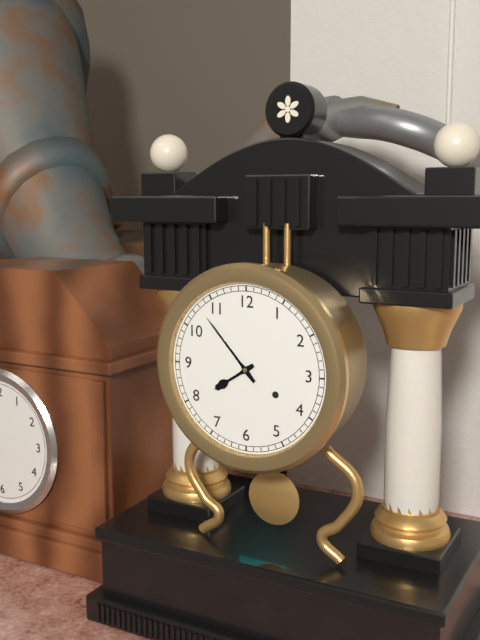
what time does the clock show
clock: 7:53
